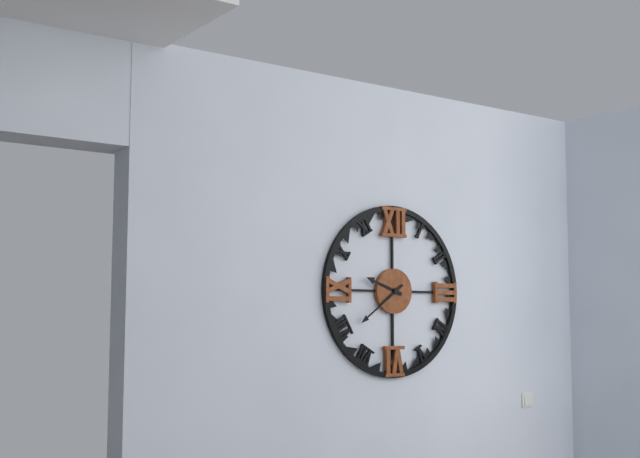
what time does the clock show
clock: 9:39
